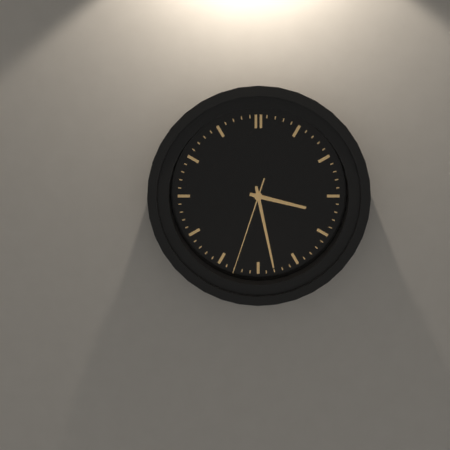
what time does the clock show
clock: 3:28:33
